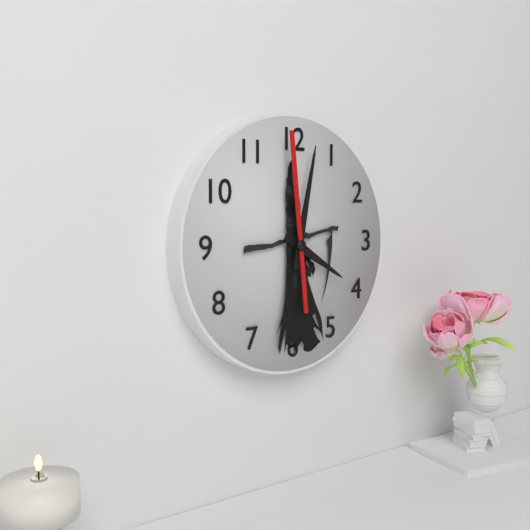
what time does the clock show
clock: 4:02:59
